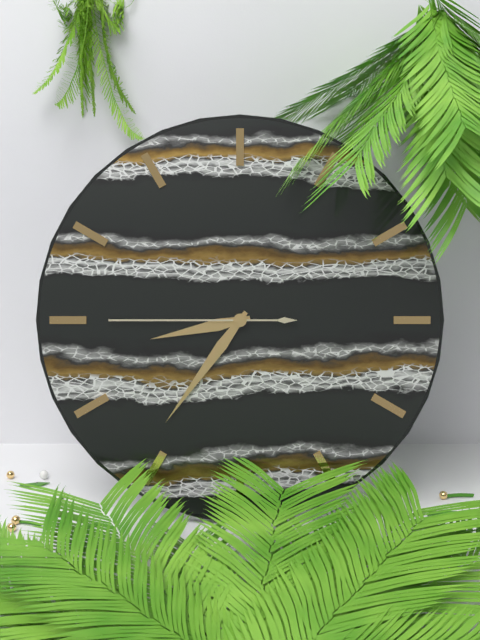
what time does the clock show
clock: 8:36:45
